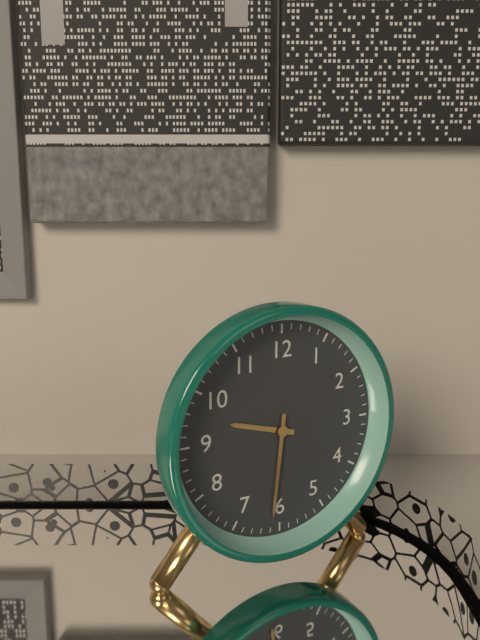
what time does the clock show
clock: 9:31
